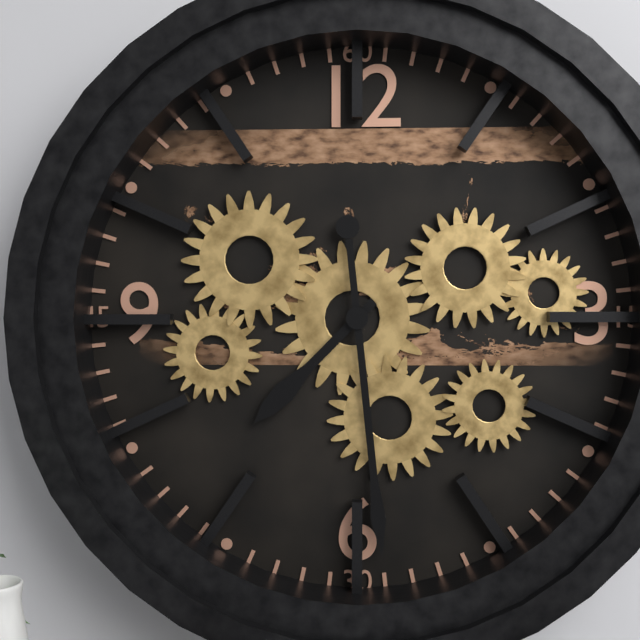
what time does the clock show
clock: 7:29
